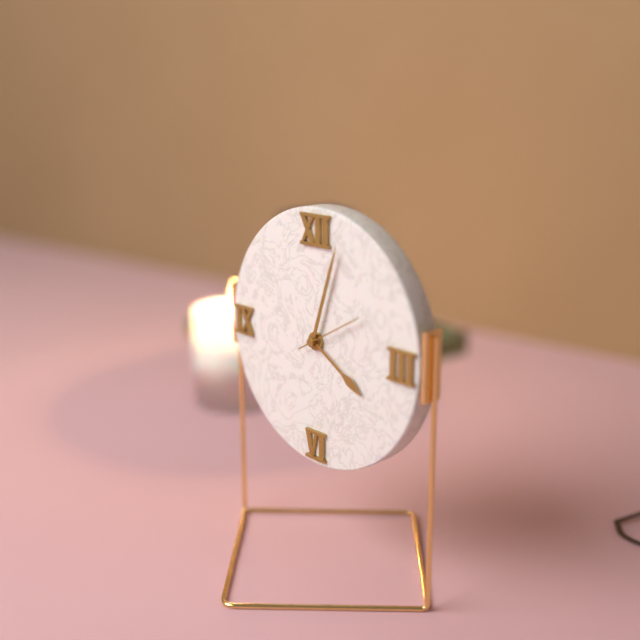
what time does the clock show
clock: 4:03
